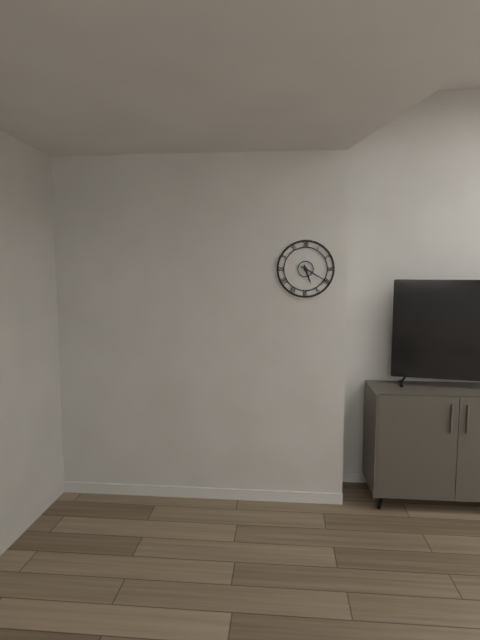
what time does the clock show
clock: 5:20
